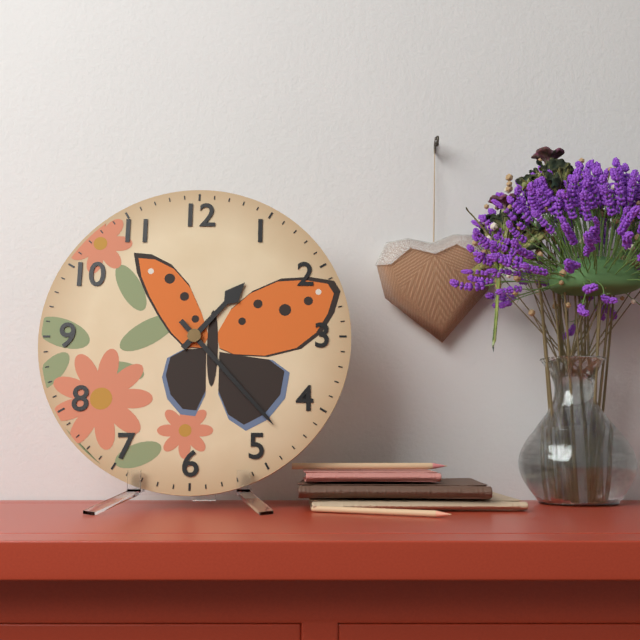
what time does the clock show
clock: 1:23
